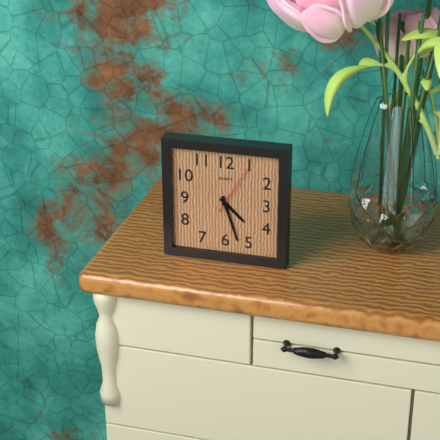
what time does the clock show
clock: 4:27:05
